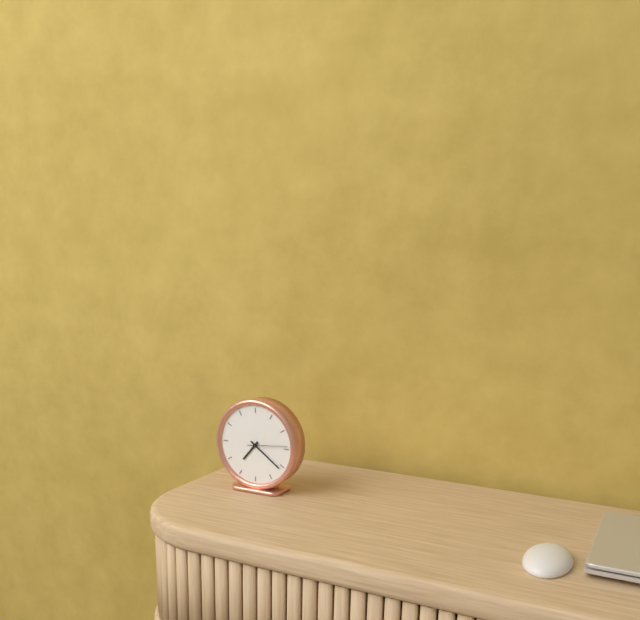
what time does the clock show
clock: 7:21
